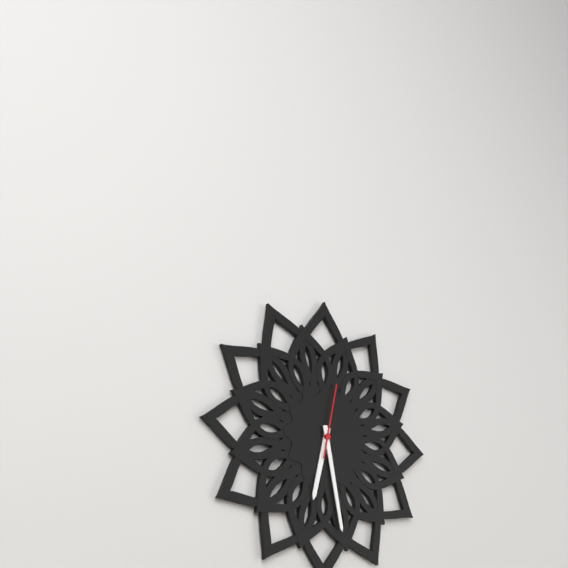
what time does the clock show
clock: 6:28:02
